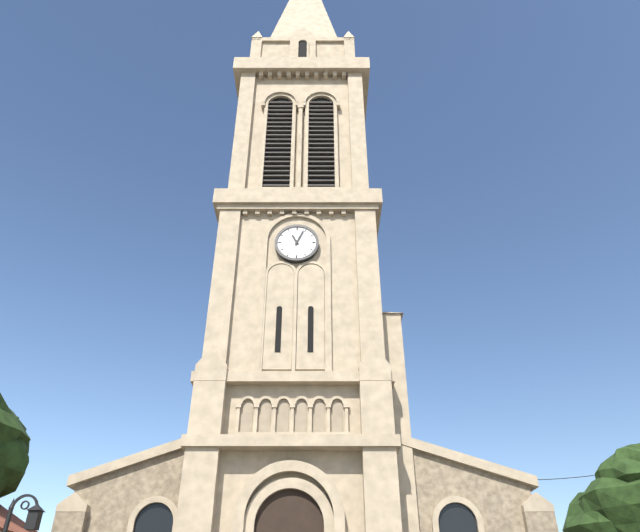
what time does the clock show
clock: 11:04
